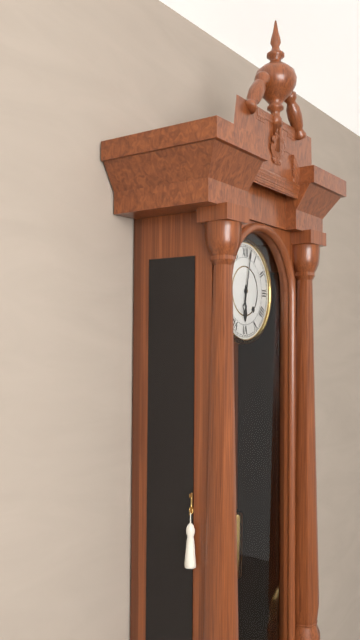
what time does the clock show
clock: 6:02
